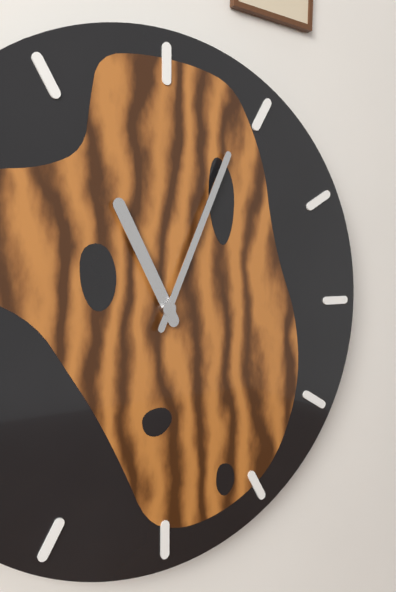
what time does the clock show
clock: 11:04
